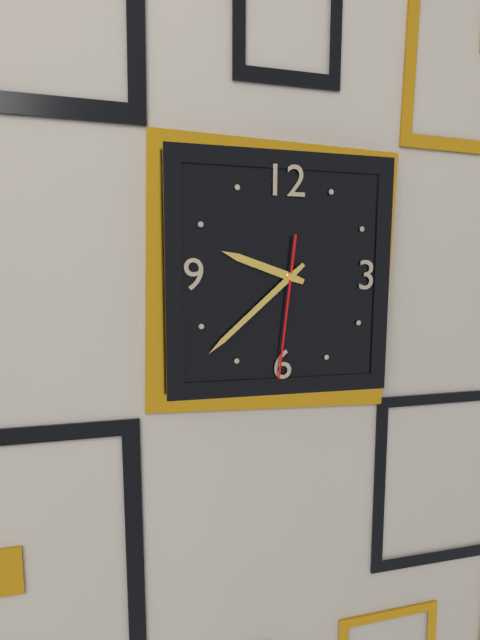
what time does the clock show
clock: 9:38:31
